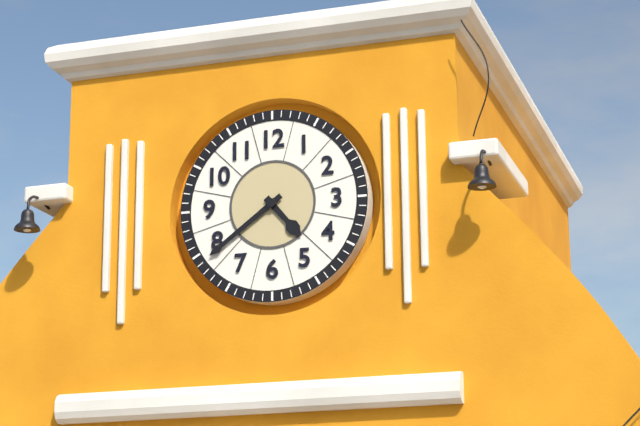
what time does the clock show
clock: 4:39
